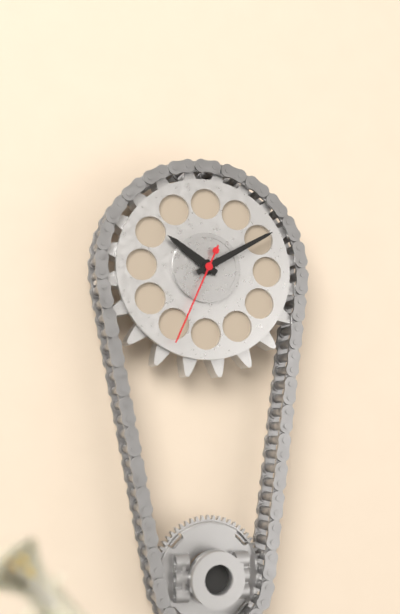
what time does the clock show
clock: 10:10:34
